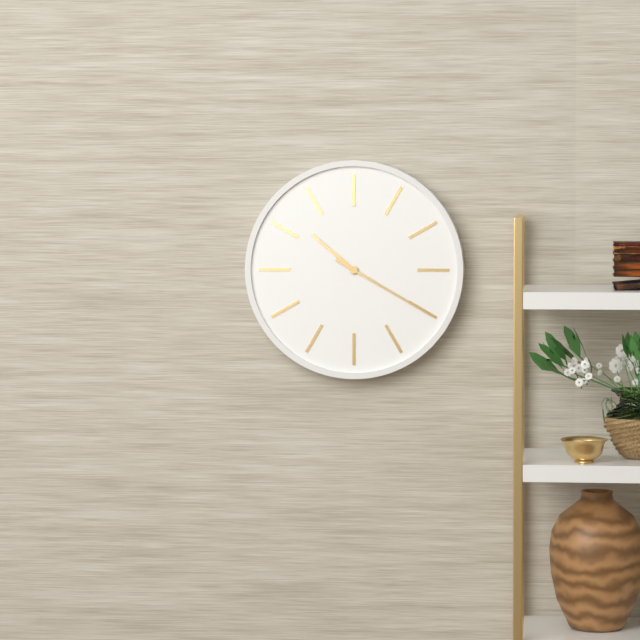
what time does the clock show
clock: 10:20
